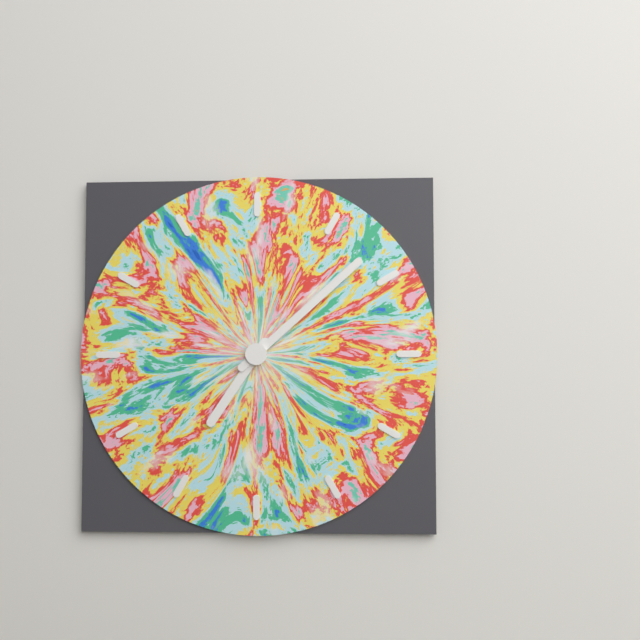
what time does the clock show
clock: 7:08
